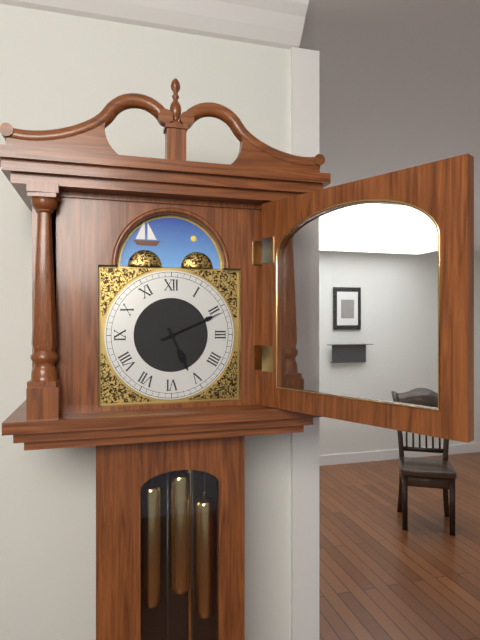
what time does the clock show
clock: 5:11
